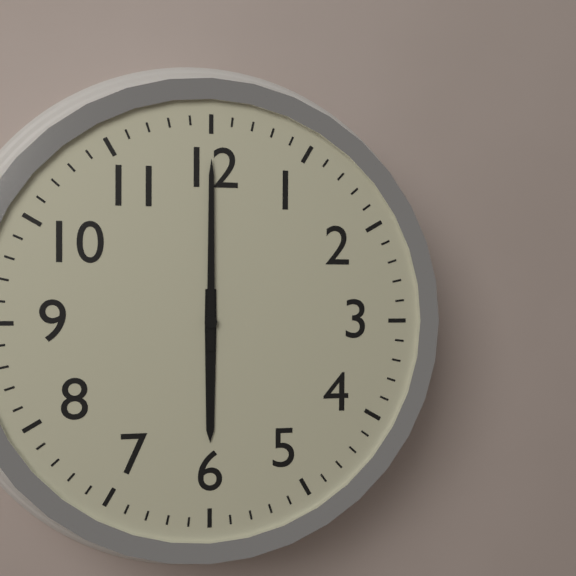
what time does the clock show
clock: 6:00
